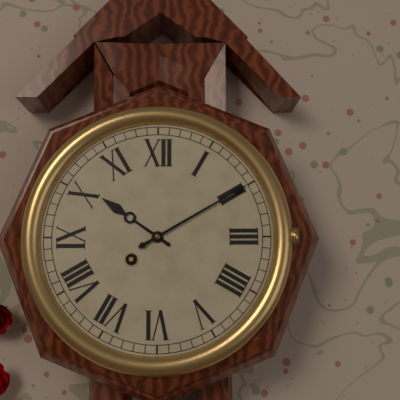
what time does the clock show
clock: 10:10
